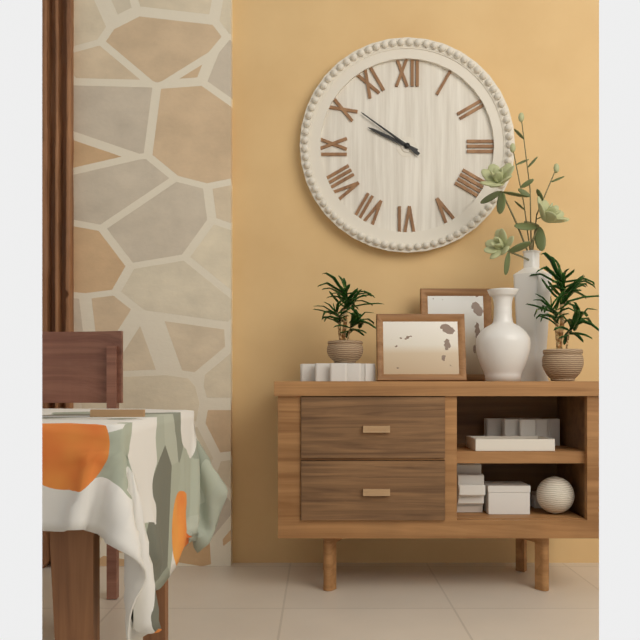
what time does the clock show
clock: 9:51
